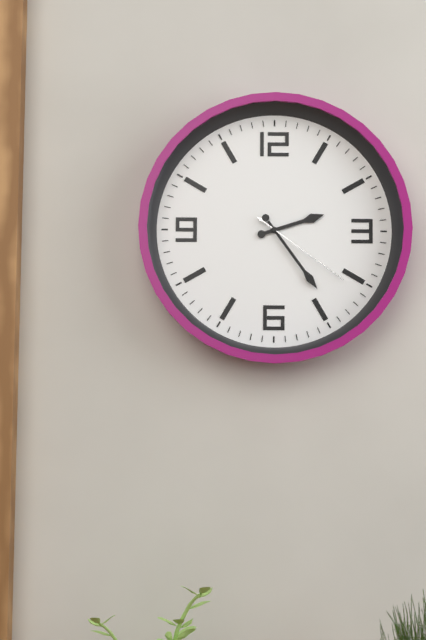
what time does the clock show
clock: 2:24:21
